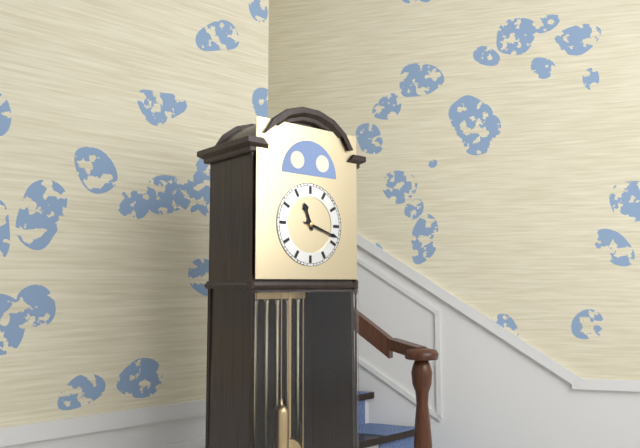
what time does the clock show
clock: 11:18
